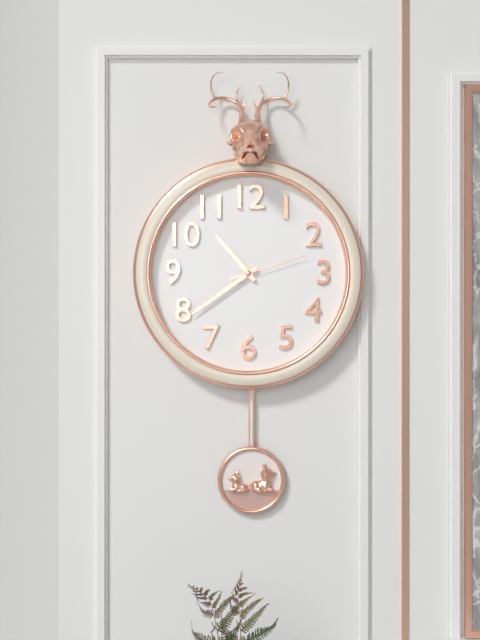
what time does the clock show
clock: 10:39:12
